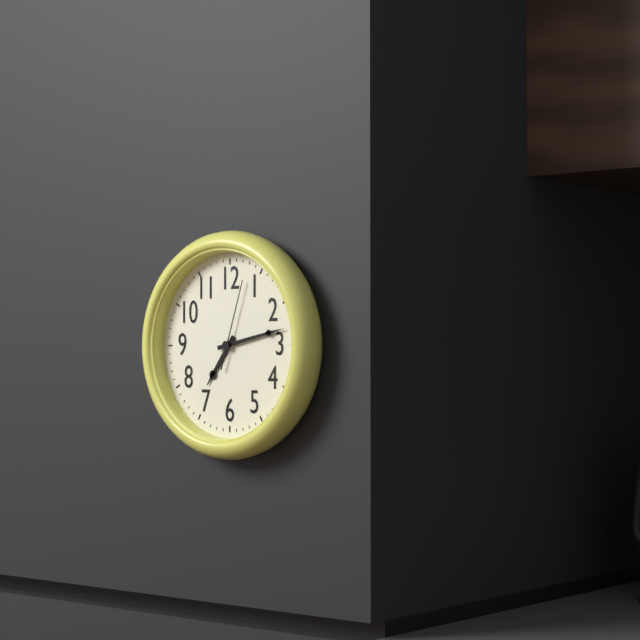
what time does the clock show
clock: 7:13:03
